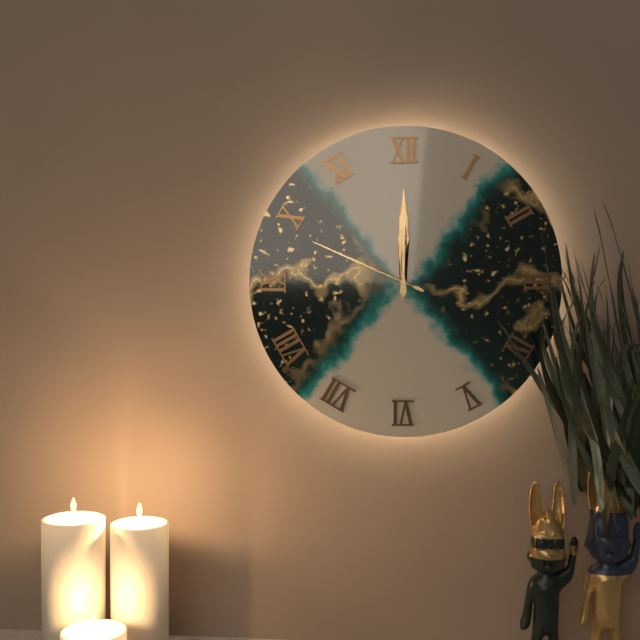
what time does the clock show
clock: 12:00:49
